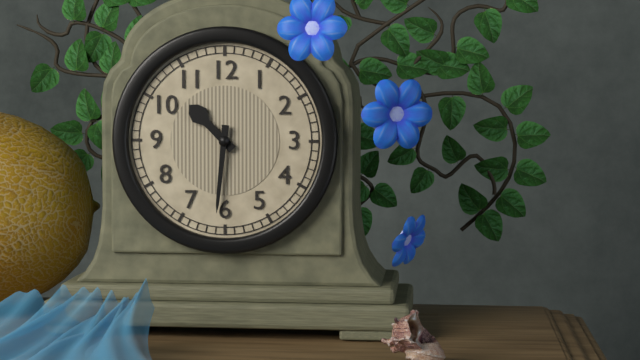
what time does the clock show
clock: 10:31
